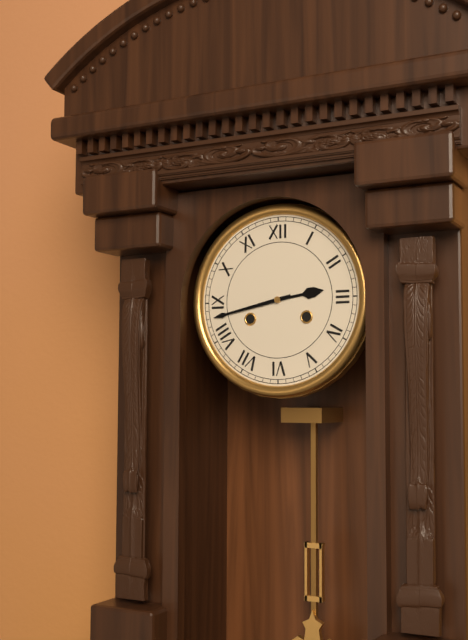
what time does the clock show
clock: 2:43
